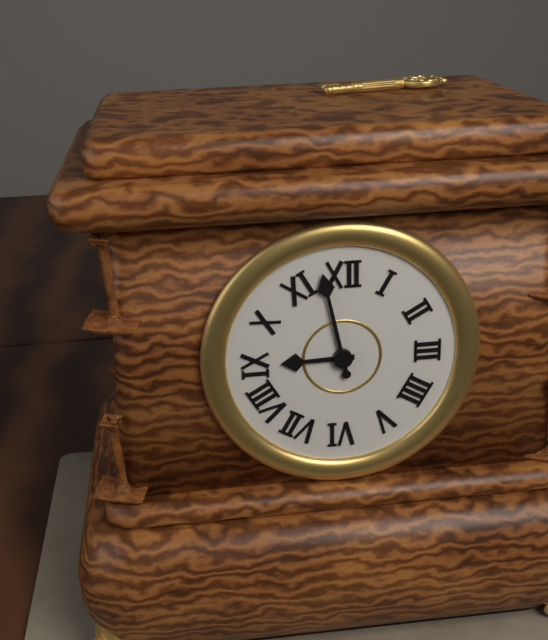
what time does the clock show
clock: 8:58
